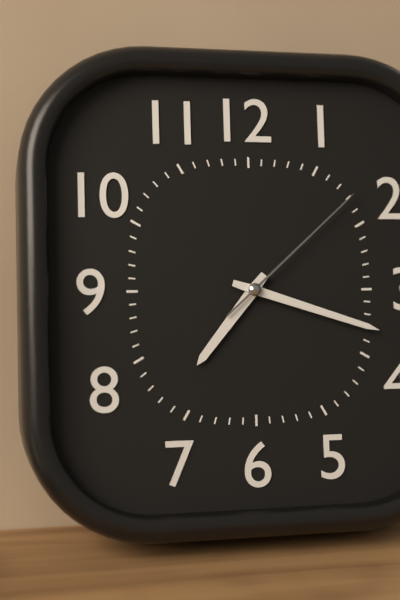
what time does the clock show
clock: 7:18:08
